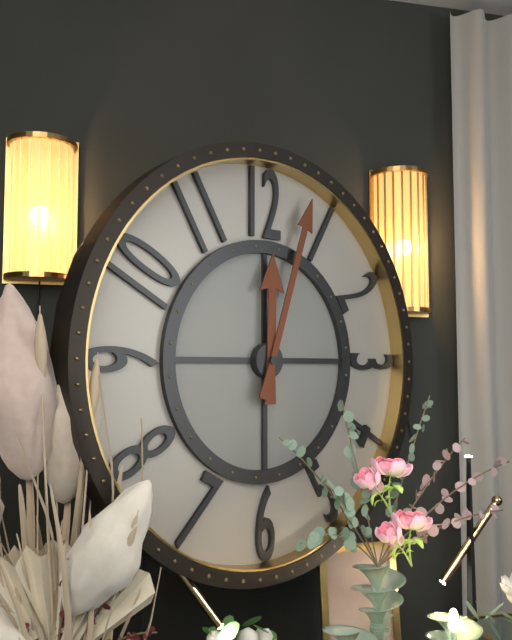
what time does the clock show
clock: 12:03
